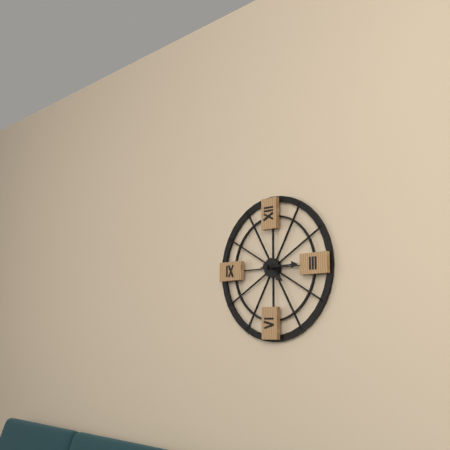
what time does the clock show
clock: 4:15
